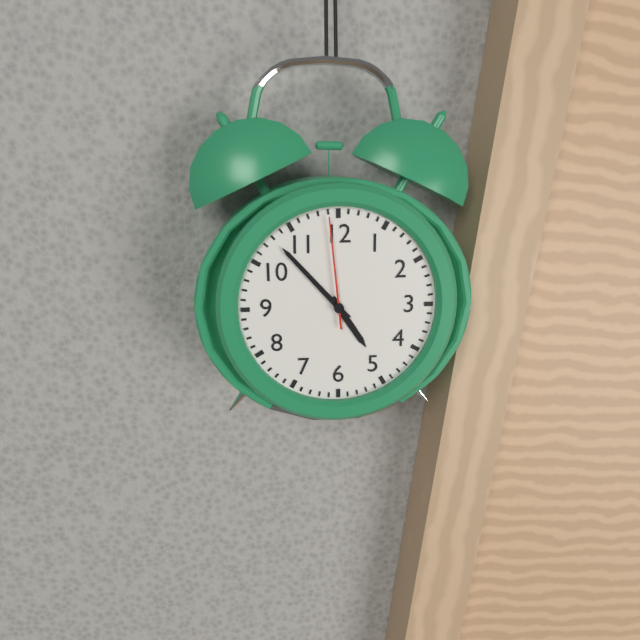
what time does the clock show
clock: 4:53:59
